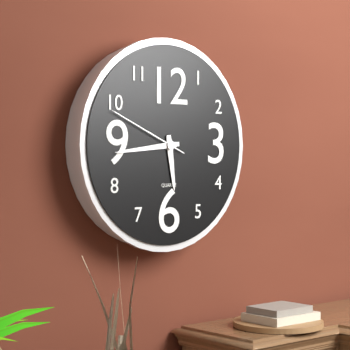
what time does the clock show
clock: 5:44:49
